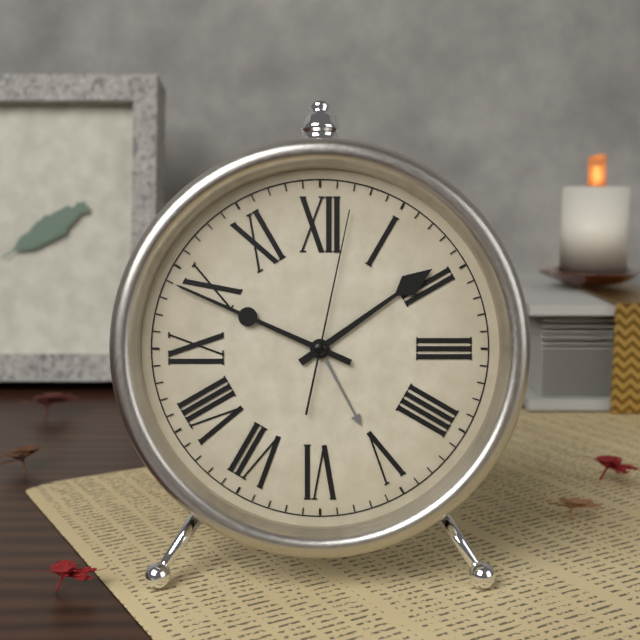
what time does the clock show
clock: 1:49:02
